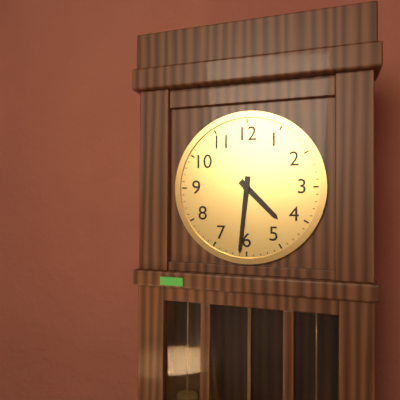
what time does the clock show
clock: 4:31
